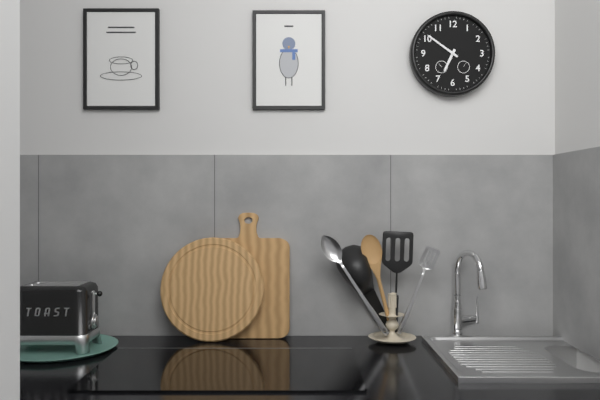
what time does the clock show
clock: 6:51
